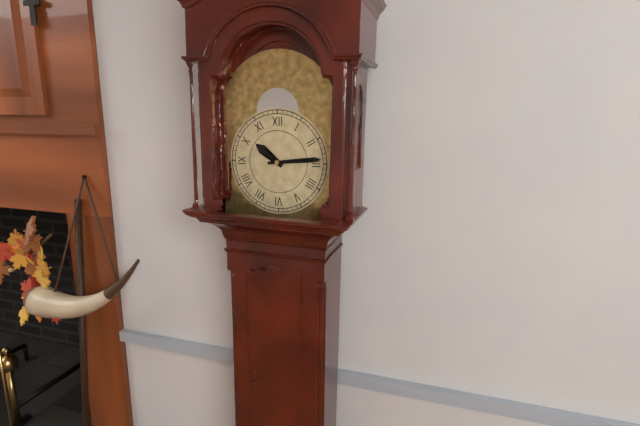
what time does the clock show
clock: 10:14
